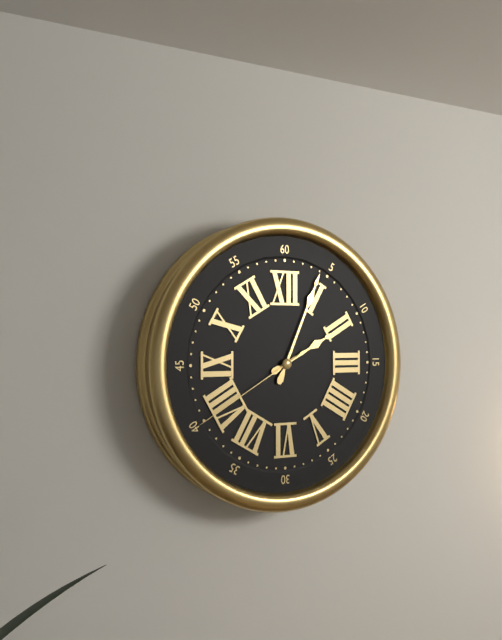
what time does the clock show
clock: 2:04:40
